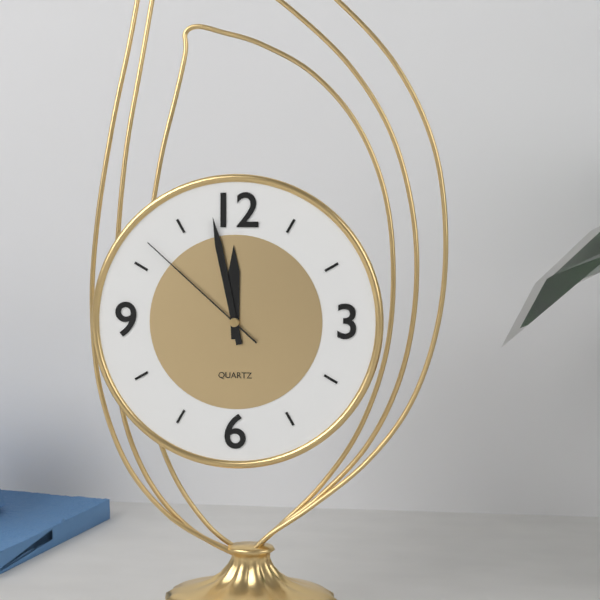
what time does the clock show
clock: 11:58:52
